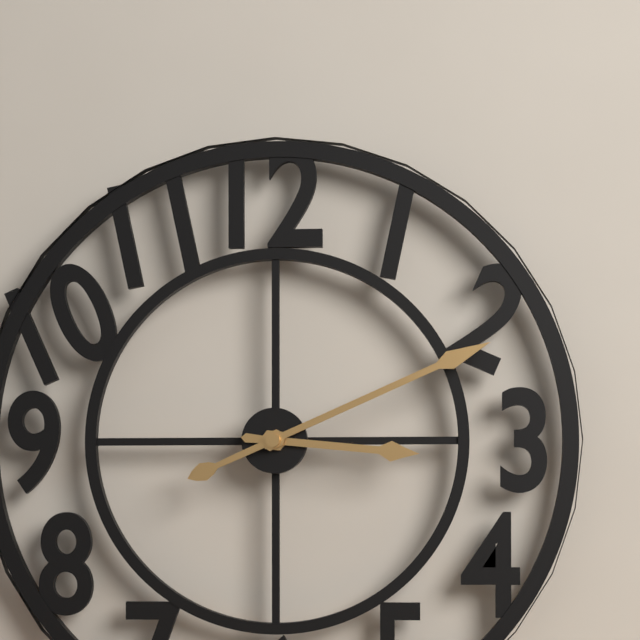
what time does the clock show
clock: 3:11
